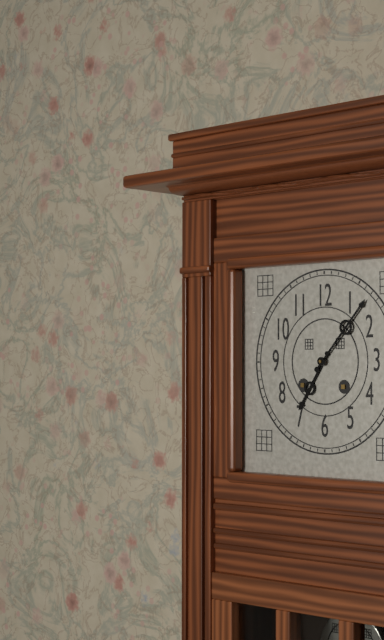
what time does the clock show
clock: 7:07
